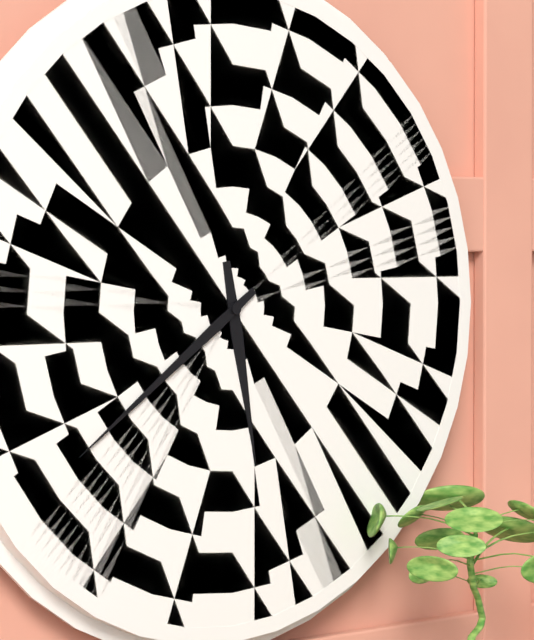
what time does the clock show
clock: 5:39
